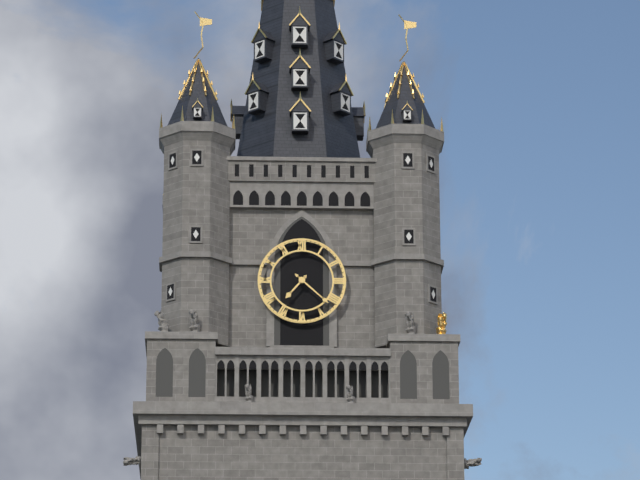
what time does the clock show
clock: 7:22
